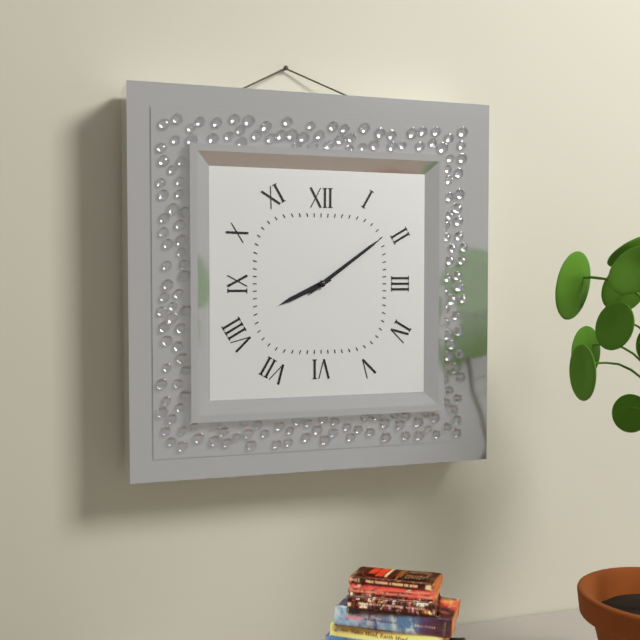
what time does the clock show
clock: 8:09
